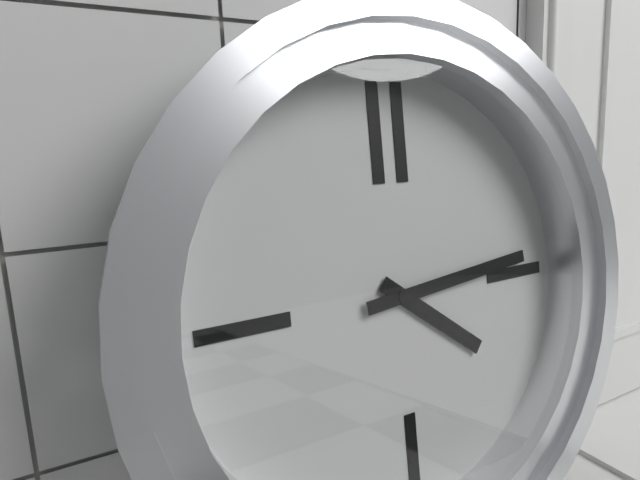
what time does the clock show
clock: 4:14
